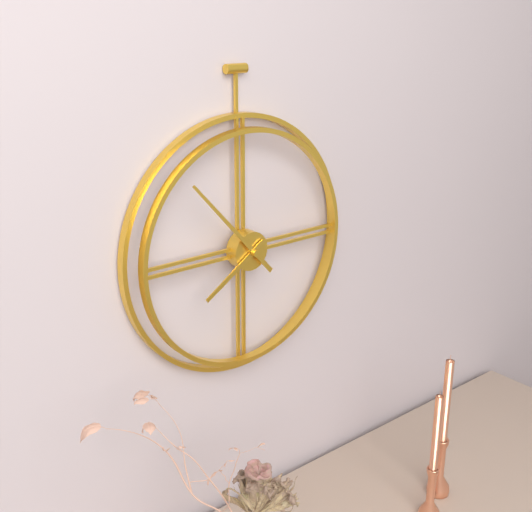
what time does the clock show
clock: 7:53
